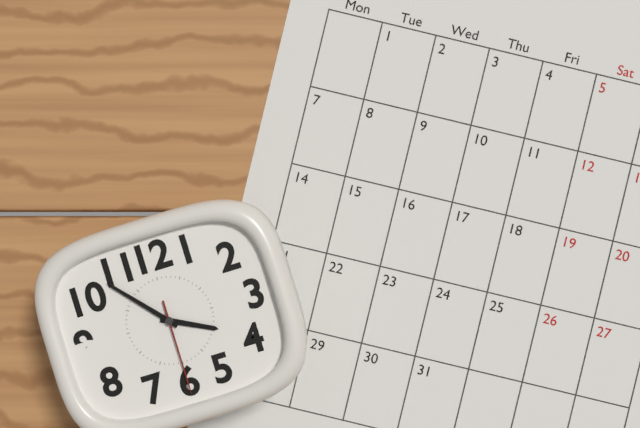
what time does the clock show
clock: 3:53:30
